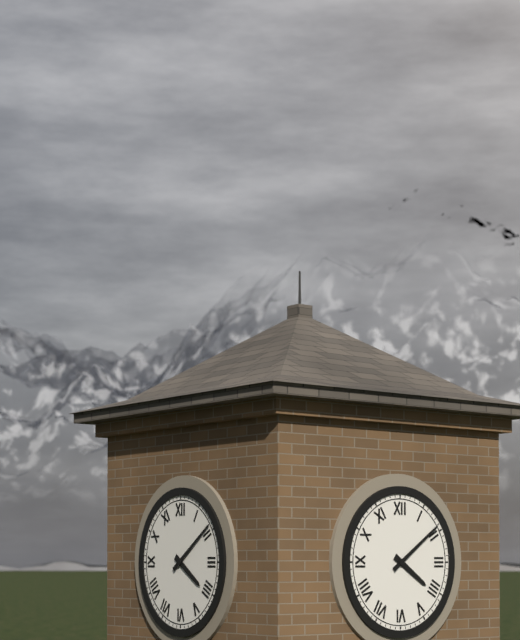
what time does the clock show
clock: 4:09
